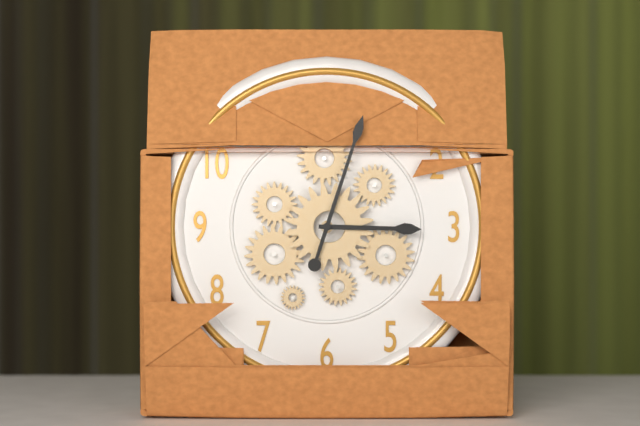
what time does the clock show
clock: 3:03
